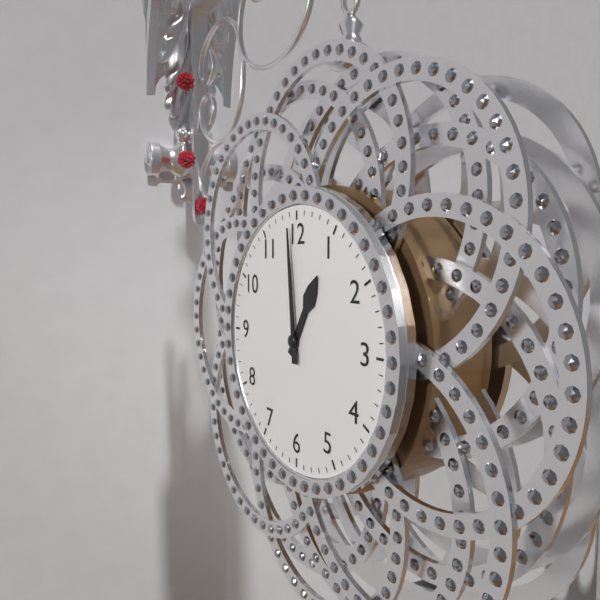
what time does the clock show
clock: 12:59
